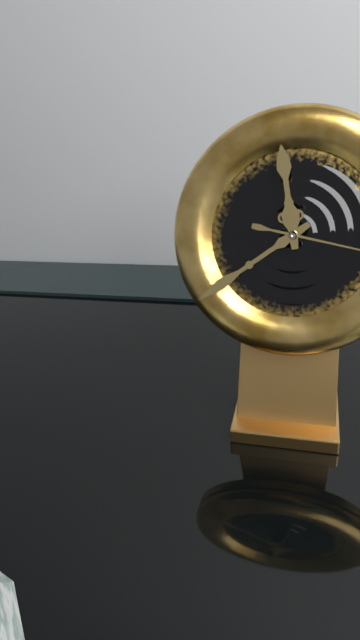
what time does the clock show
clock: 11:39
